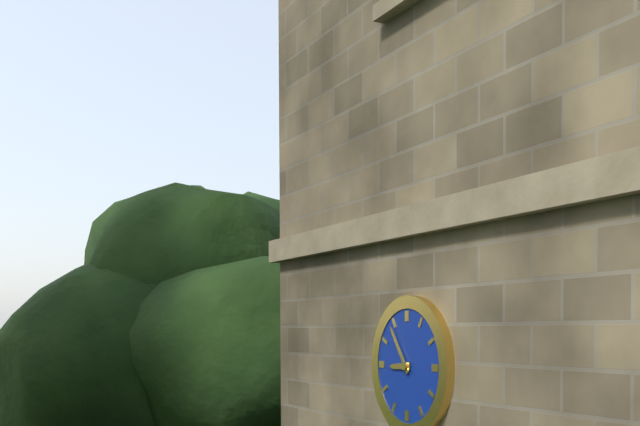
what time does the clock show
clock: 8:54
